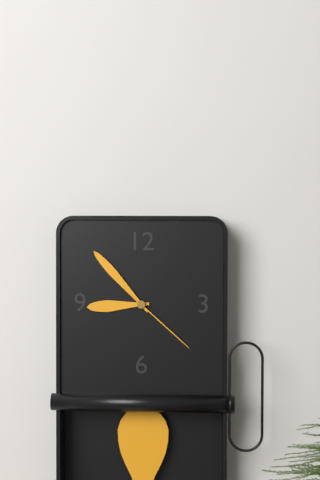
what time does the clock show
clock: 8:53:22
